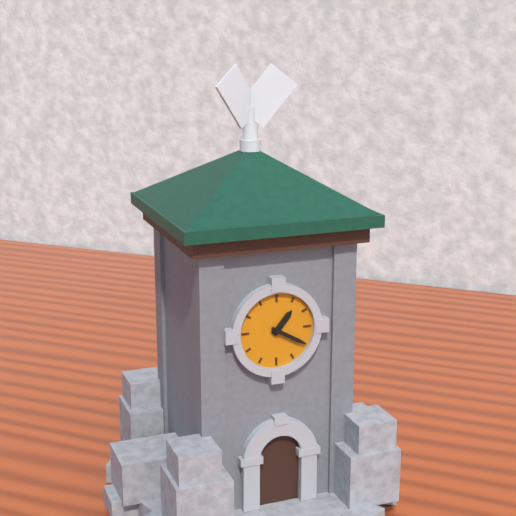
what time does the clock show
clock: 1:20
